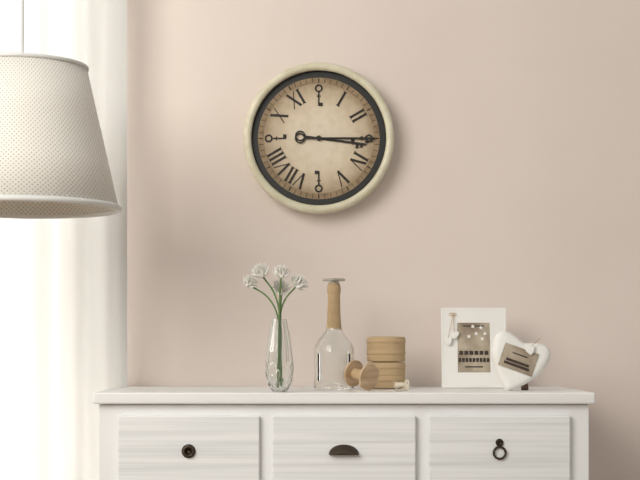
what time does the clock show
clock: 3:15
